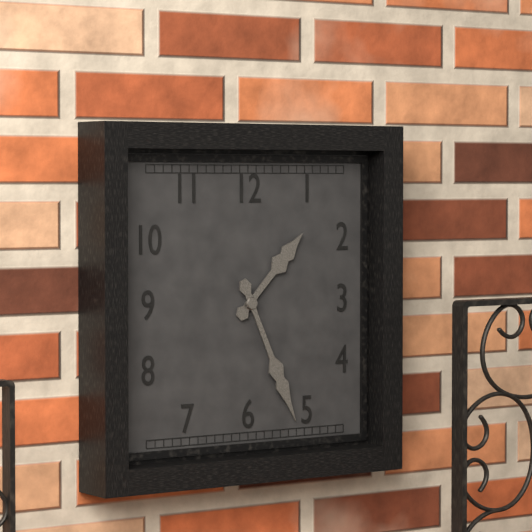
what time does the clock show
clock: 1:26
